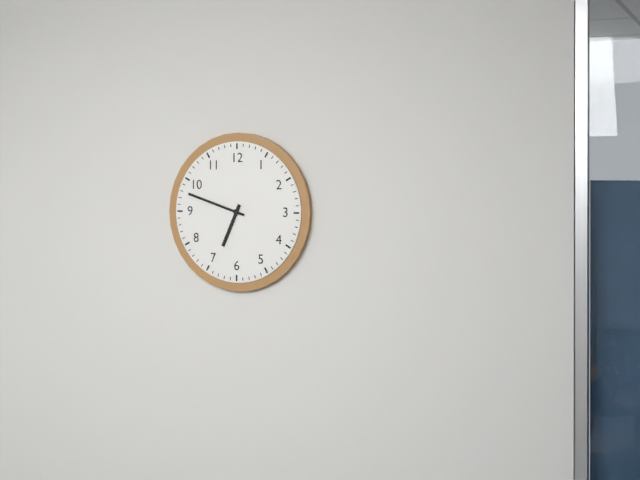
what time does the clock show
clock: 6:48
